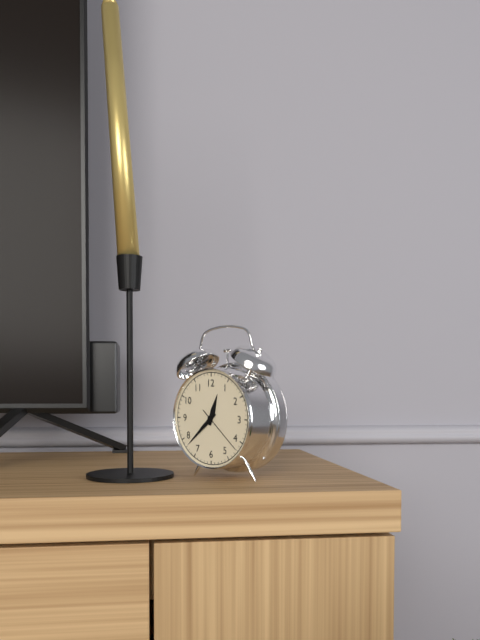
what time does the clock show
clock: 12:38
